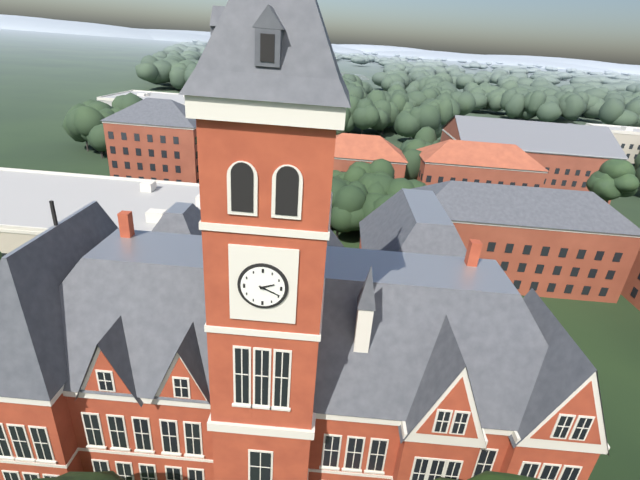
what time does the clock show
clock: 2:19
